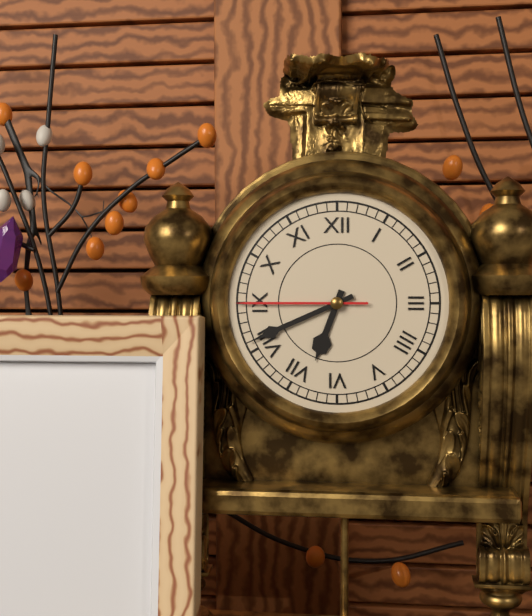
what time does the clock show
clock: 6:41:45
